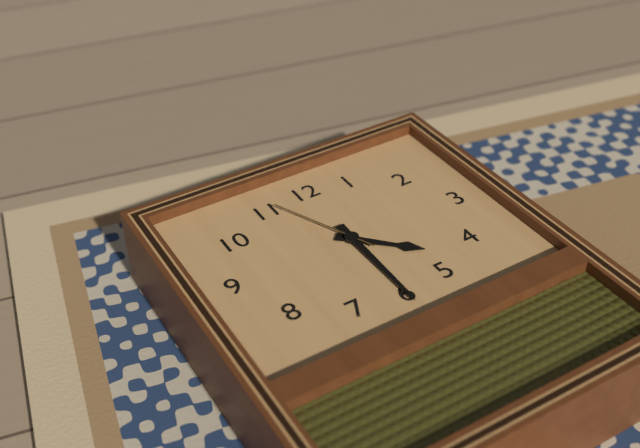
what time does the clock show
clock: 4:30:56
